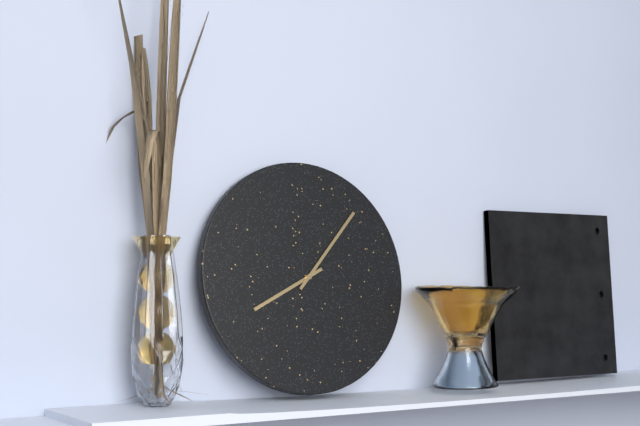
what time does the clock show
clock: 8:07
